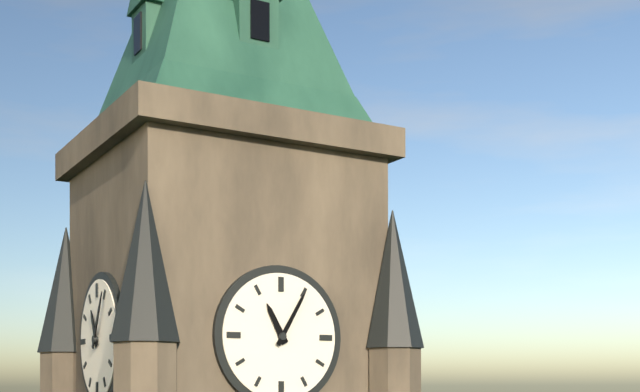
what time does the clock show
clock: 11:05
